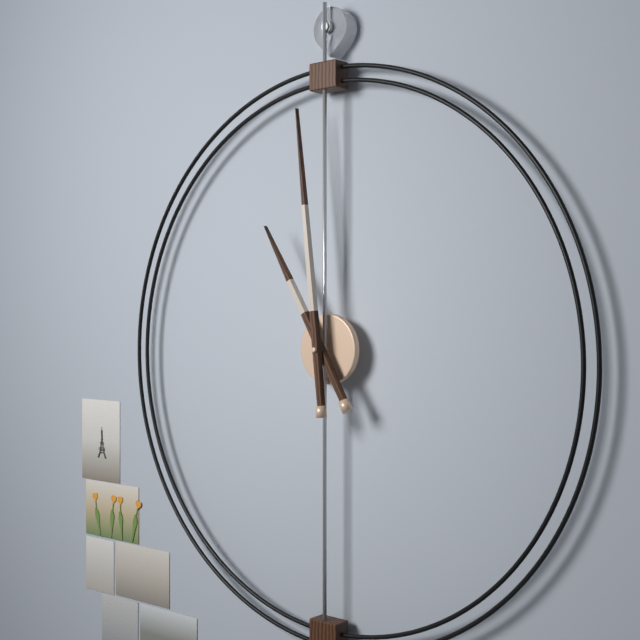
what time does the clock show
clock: 10:59
